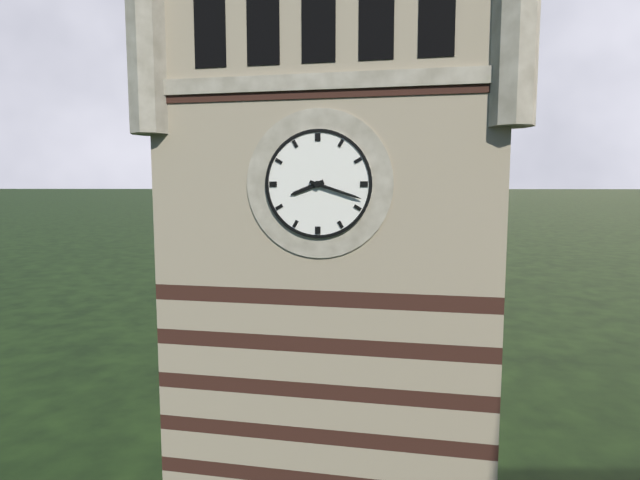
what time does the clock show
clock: 8:18
